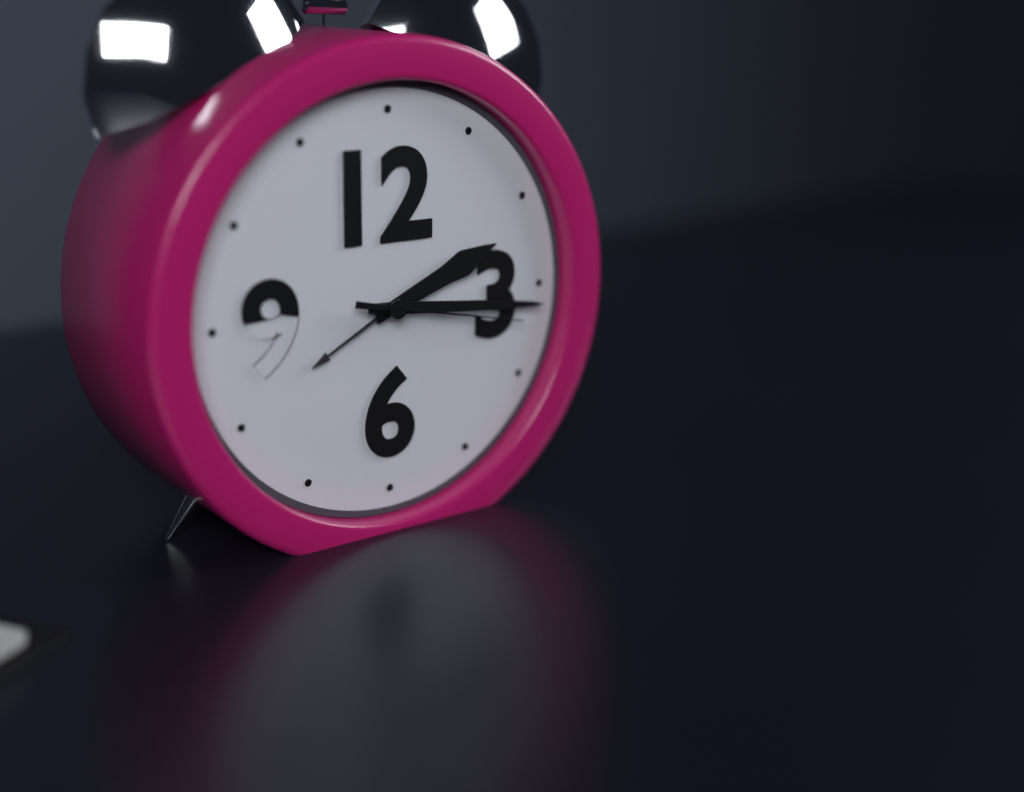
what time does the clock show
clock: 2:16:17
